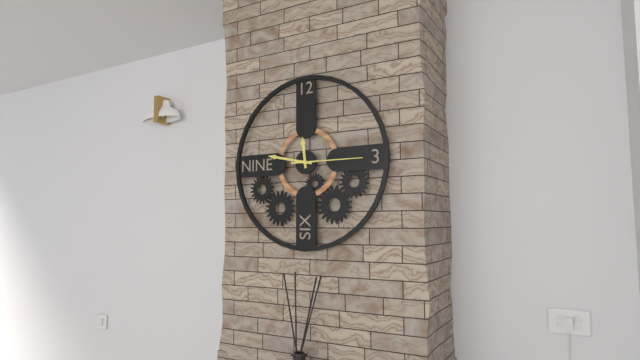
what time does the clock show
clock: 11:47:15
